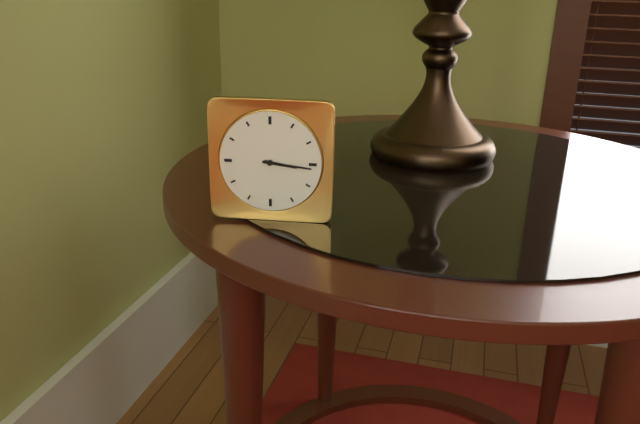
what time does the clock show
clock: 3:16
